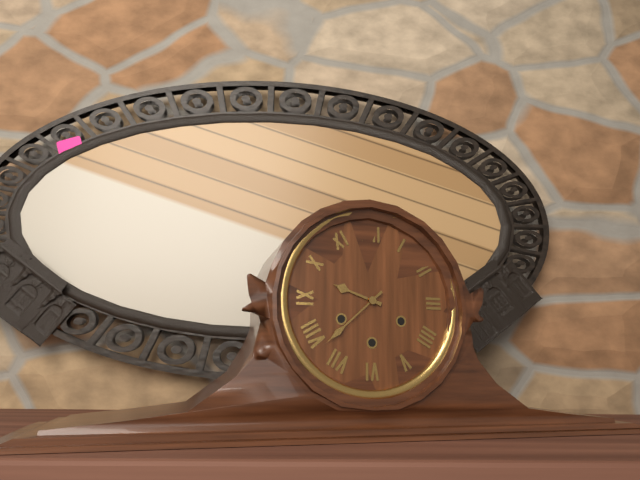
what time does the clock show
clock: 9:38
